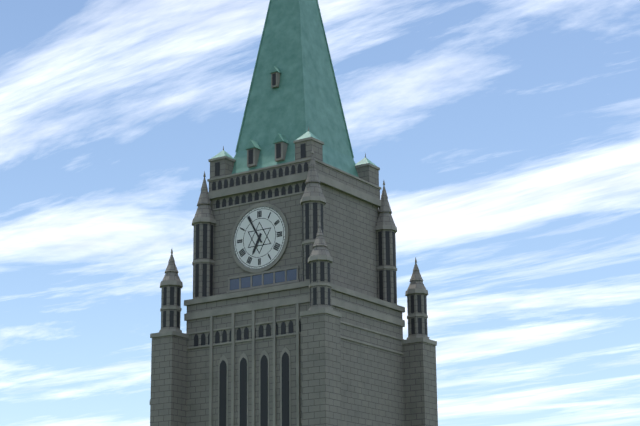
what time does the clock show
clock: 6:55
